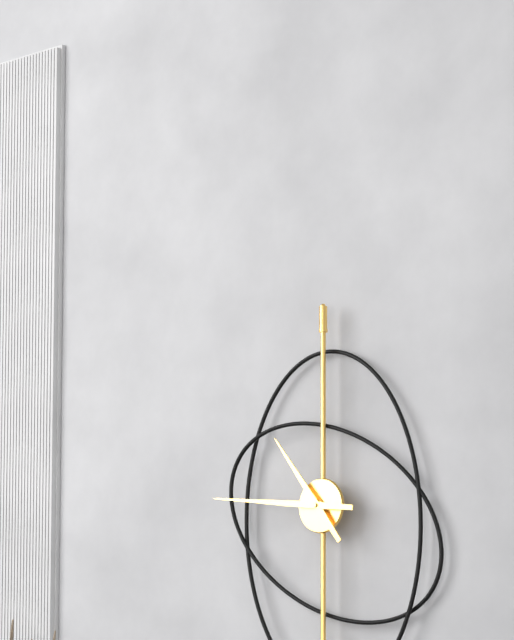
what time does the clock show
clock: 10:46
